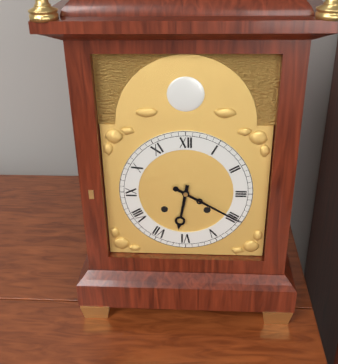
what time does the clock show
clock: 6:20
